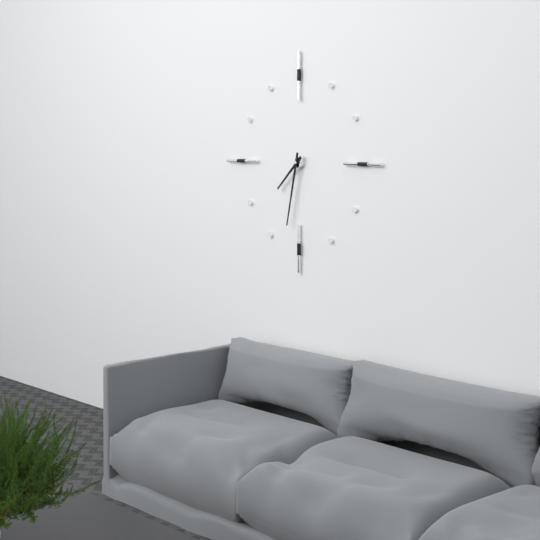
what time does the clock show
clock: 7:32
